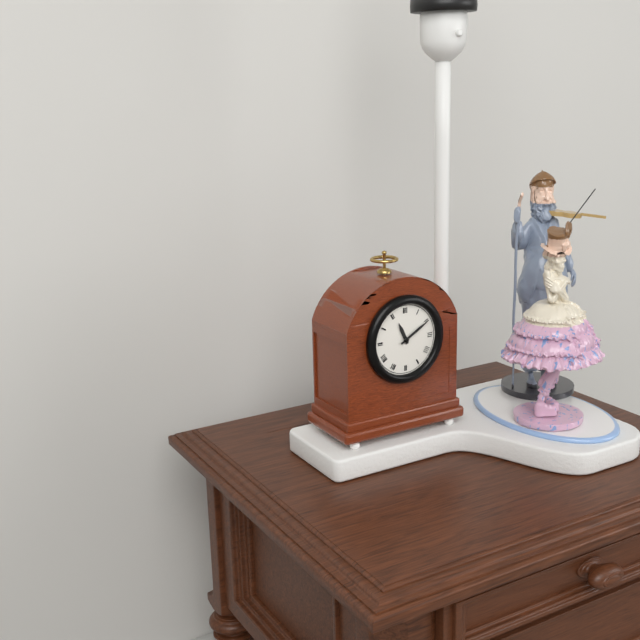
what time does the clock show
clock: 11:10
